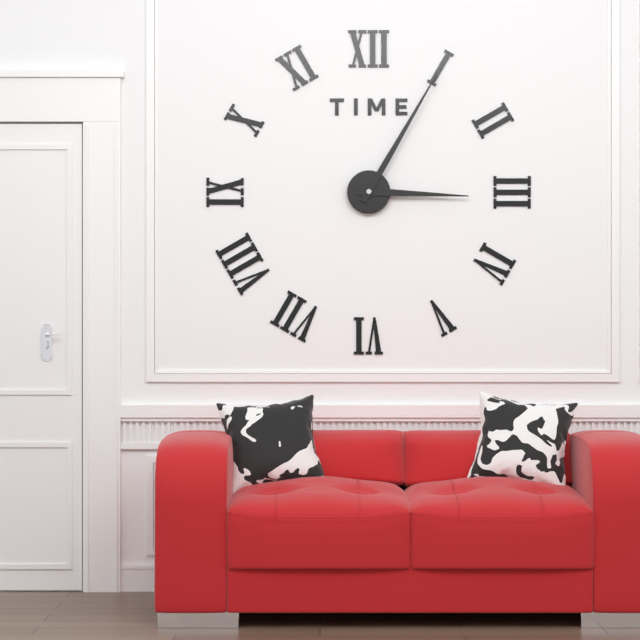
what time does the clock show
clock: 3:05
